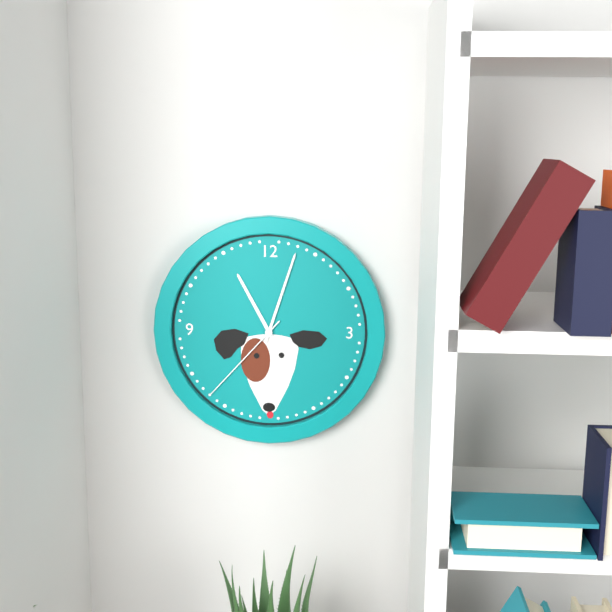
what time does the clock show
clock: 11:03:37
